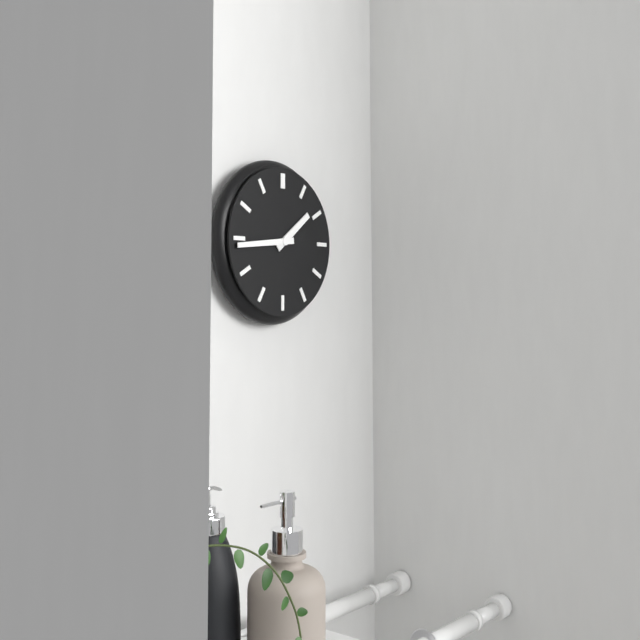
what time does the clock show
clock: 1:44
